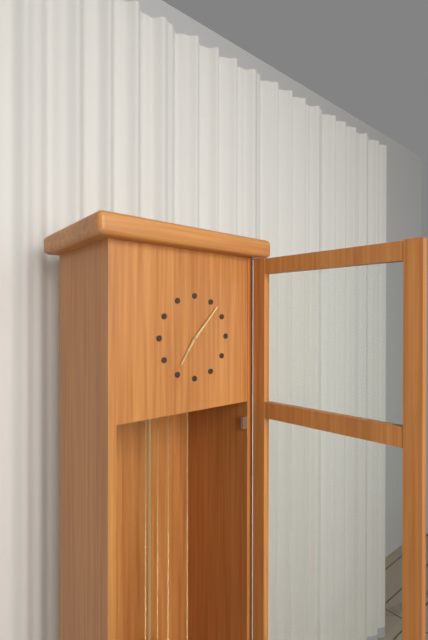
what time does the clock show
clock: 7:07
